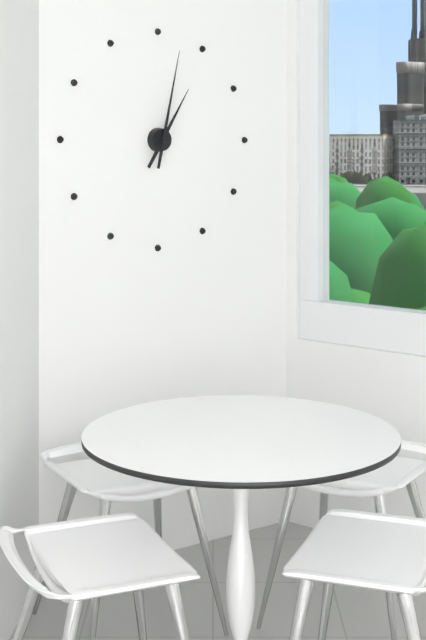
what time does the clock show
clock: 1:02
